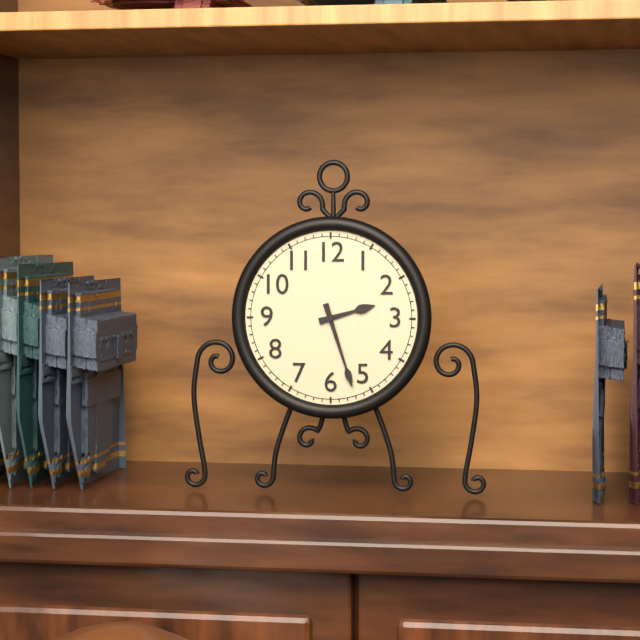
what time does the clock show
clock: 2:27
